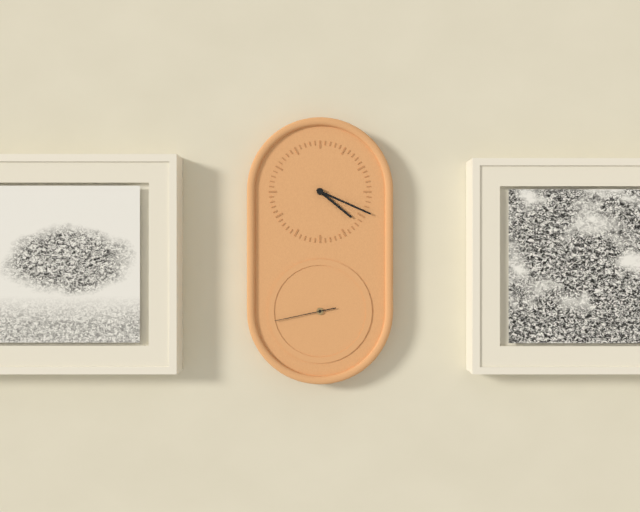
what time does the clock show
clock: 4:19:43
